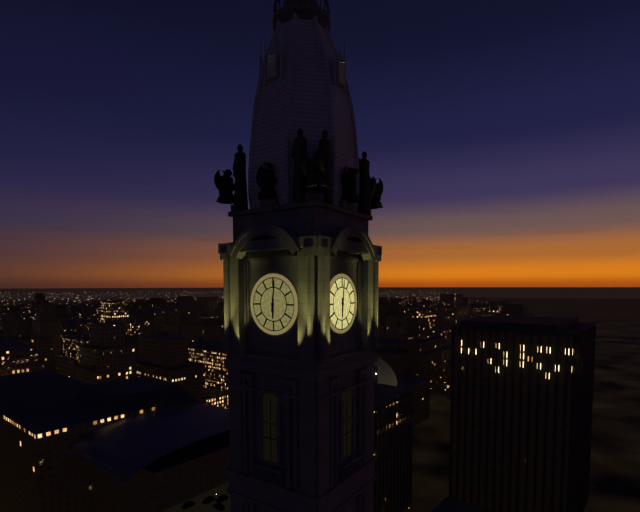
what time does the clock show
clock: 6:01
